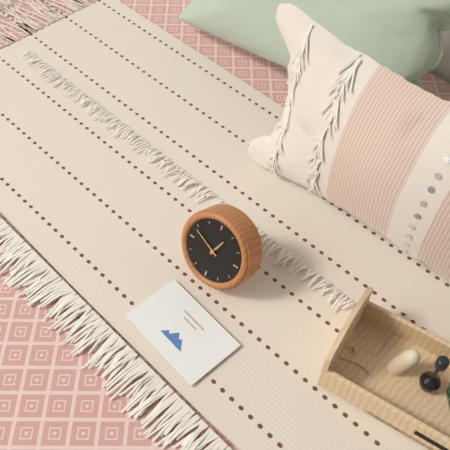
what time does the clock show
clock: 12:49
